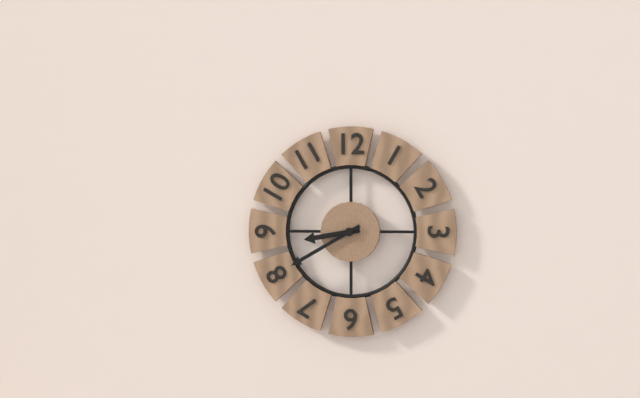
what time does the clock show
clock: 8:40
